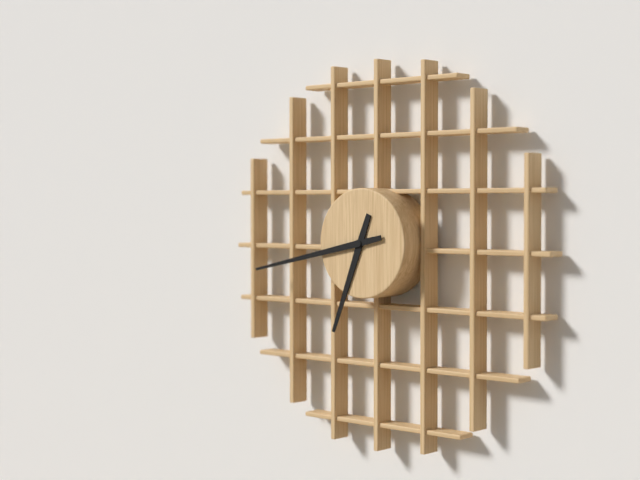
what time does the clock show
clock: 6:43
